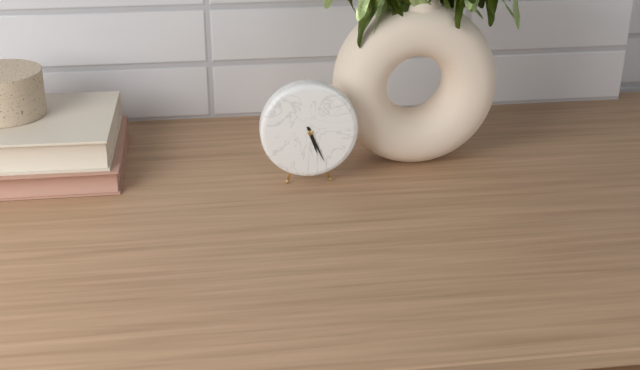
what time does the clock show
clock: 5:26
